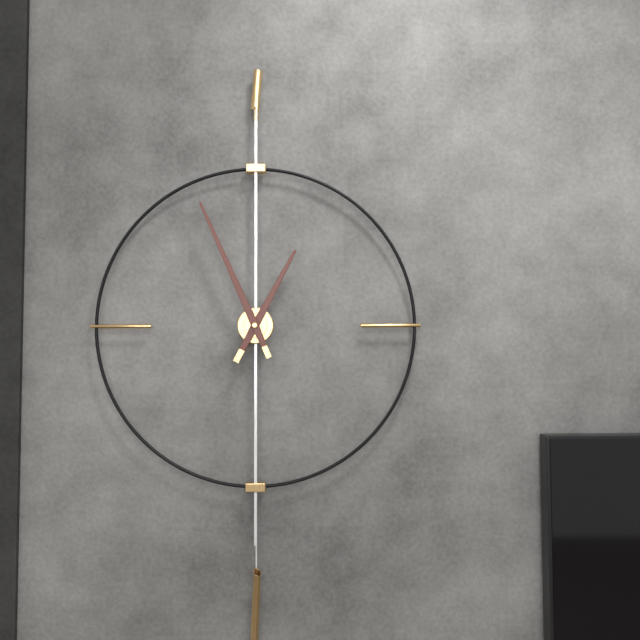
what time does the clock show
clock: 12:56
